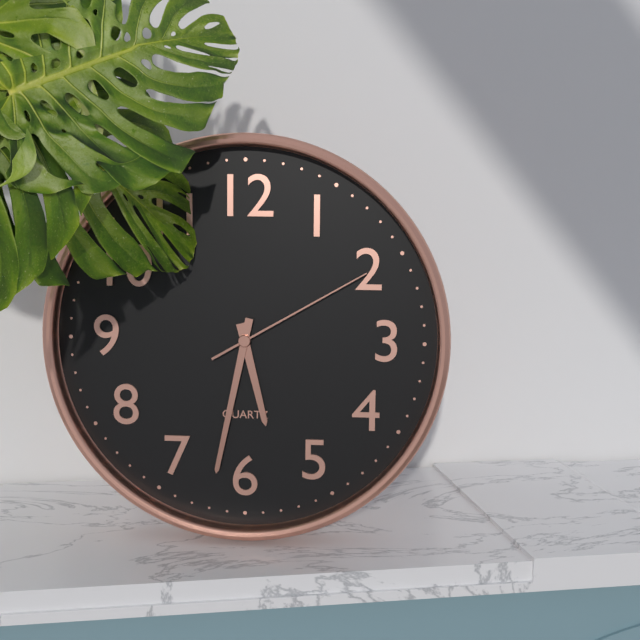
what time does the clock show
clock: 5:32:10
